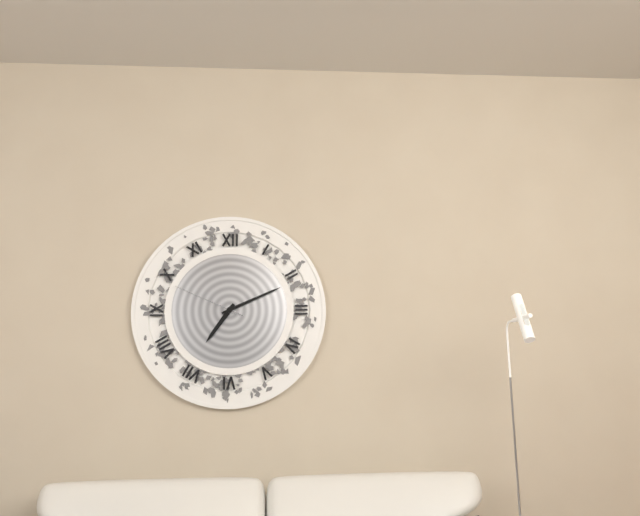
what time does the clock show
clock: 7:11:49
